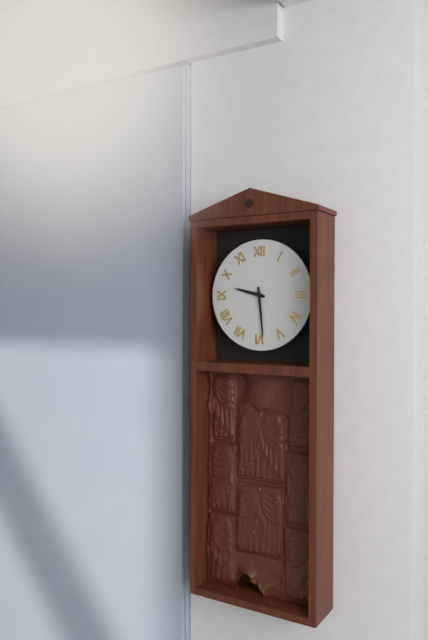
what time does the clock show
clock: 9:29
